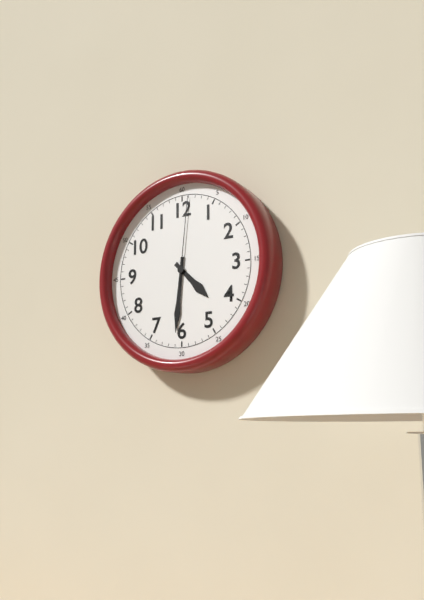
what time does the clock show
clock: 4:31:01
